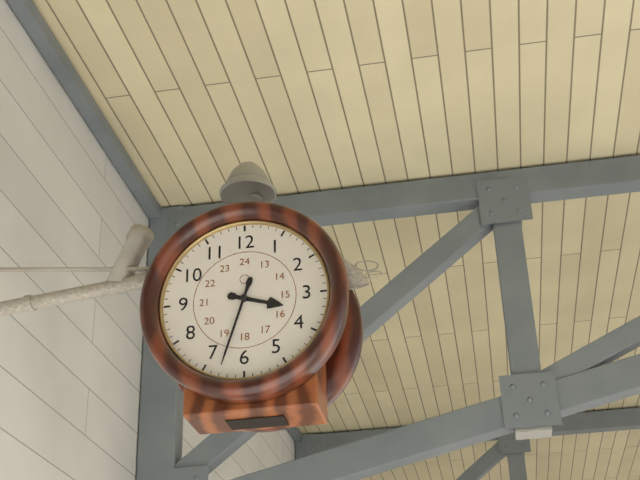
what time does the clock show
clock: 3:33
